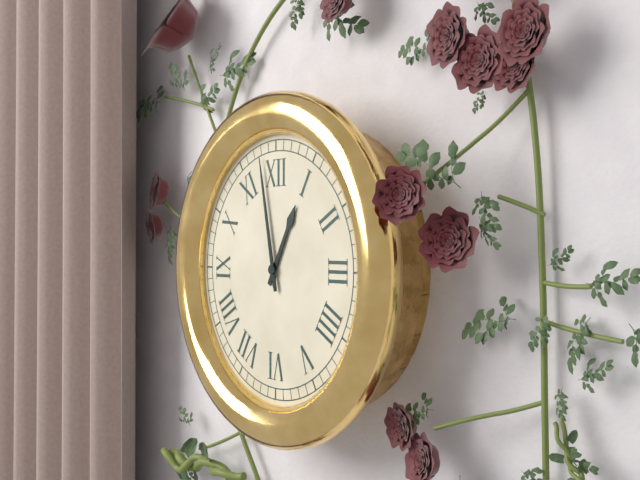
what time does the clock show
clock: 12:58
